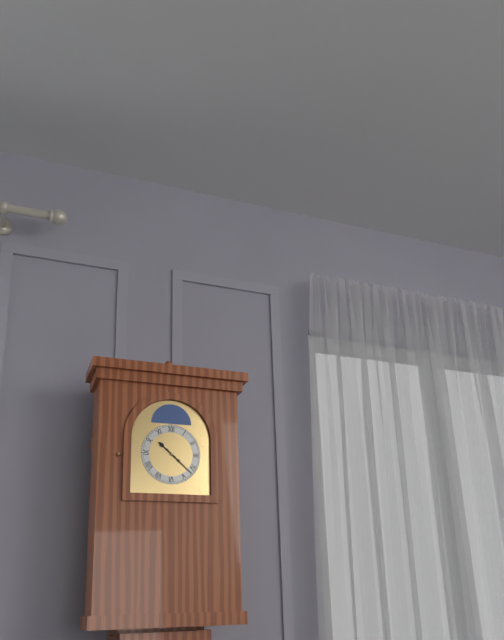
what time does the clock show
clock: 10:22
